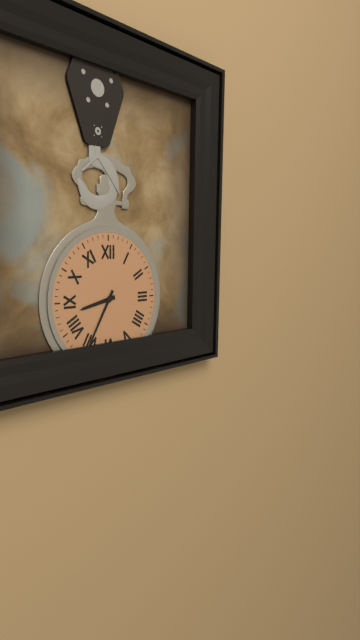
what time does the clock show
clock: 8:35
